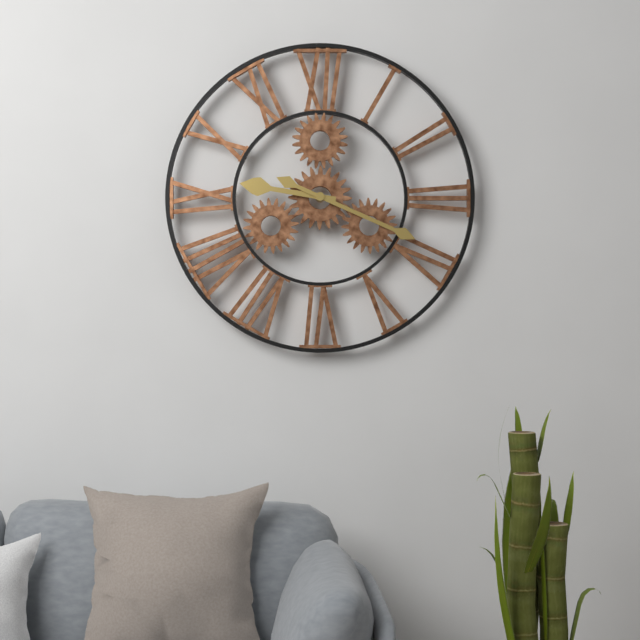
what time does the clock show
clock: 9:19
